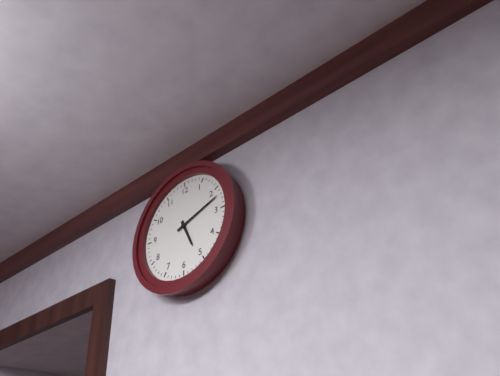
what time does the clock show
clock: 5:12
